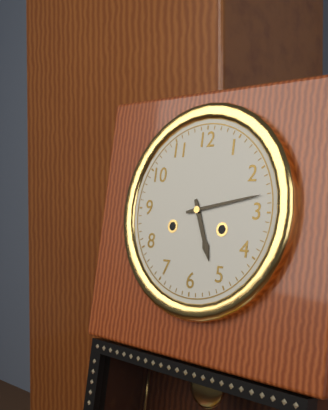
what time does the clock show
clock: 5:13
